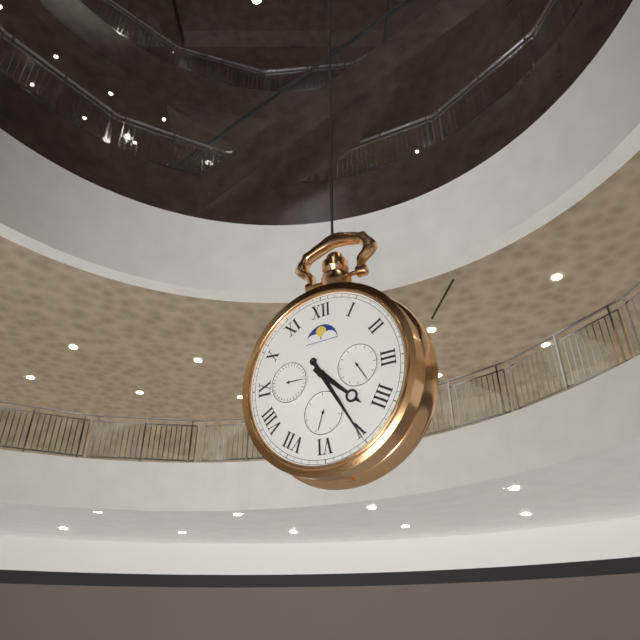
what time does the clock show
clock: 4:25
